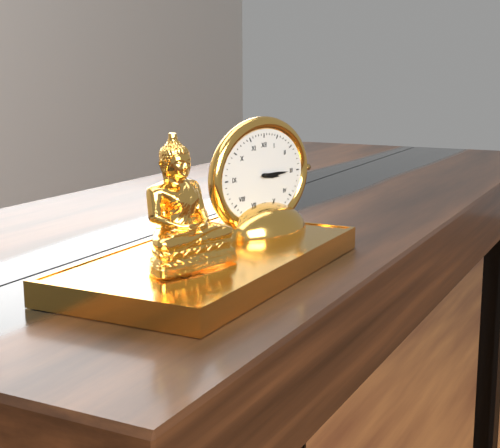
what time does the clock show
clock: 3:15
